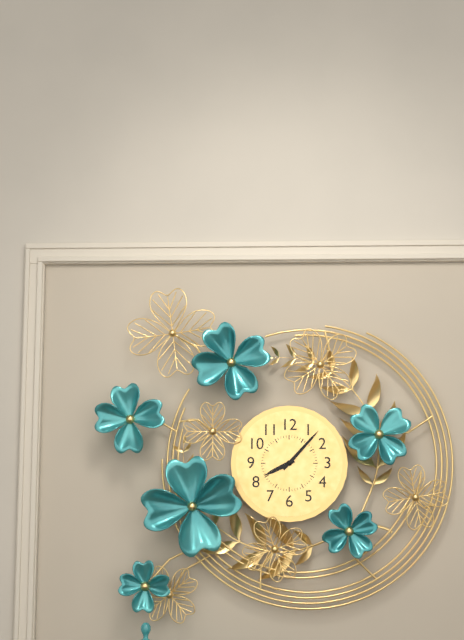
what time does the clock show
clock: 8:07
